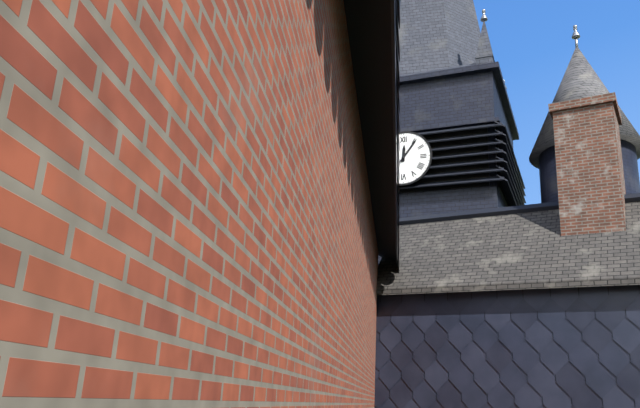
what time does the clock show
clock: 12:06
